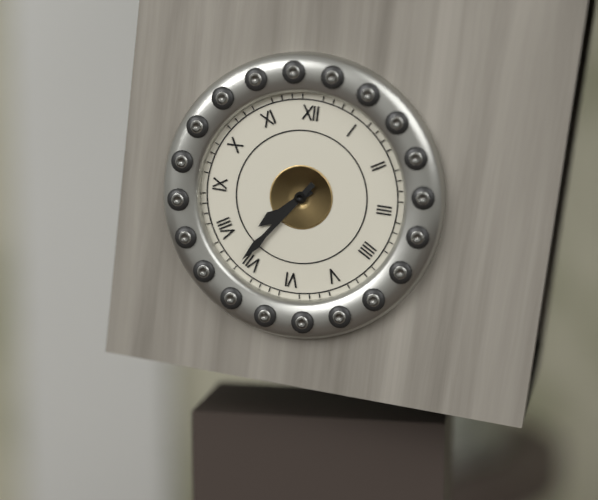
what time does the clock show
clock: 7:36
